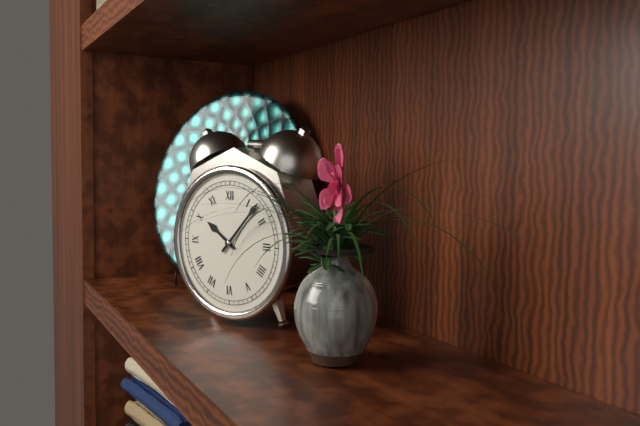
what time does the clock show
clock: 10:07
